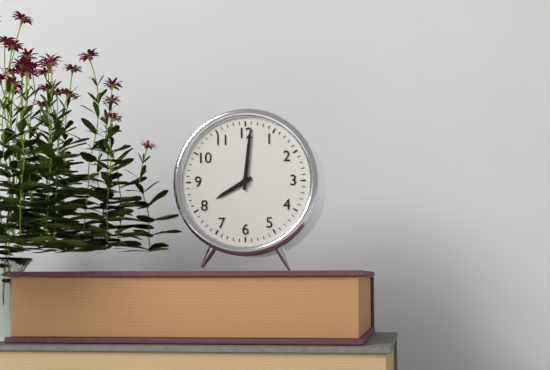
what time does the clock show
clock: 8:01
